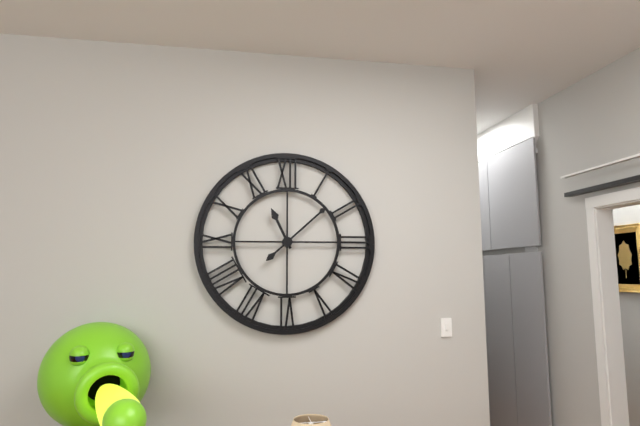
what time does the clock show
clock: 11:08
